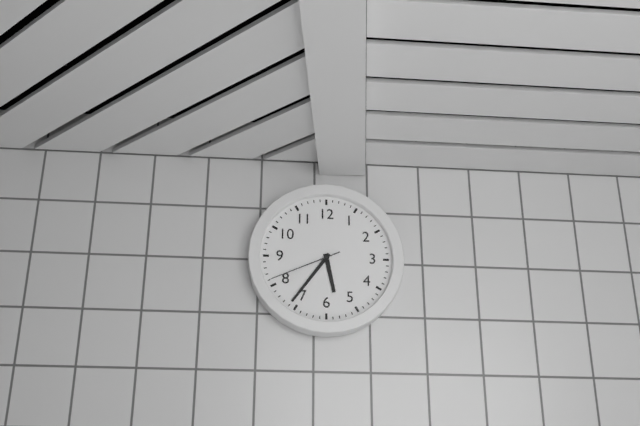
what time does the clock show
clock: 5:36:41
